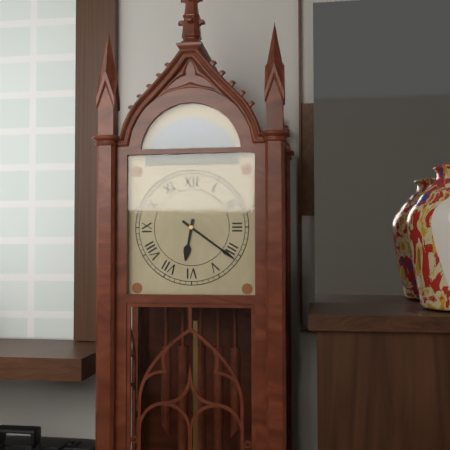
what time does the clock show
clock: 6:21
